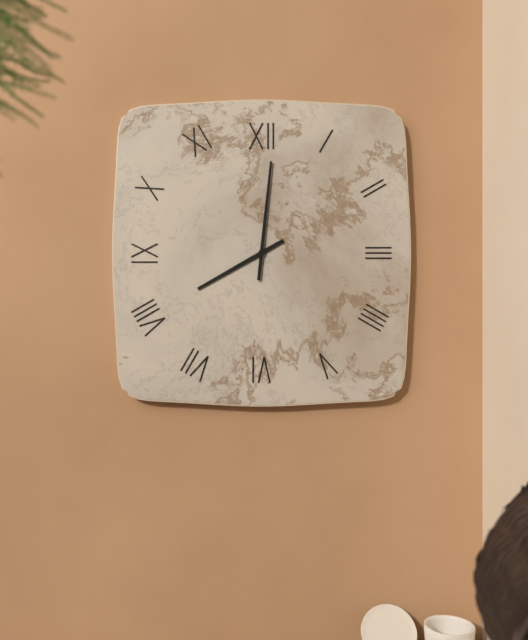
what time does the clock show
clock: 8:01
